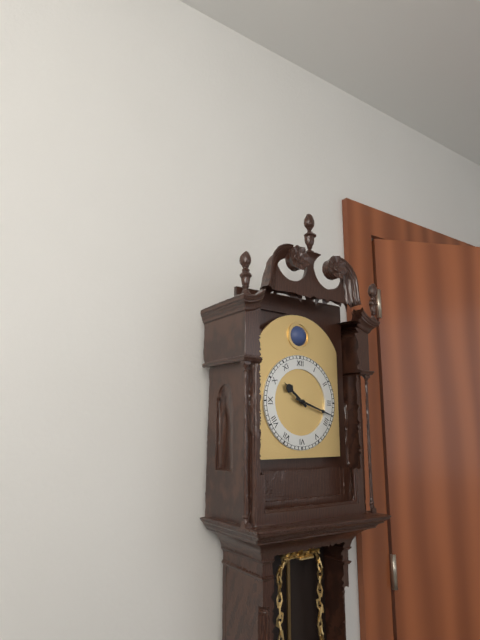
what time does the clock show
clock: 10:18
